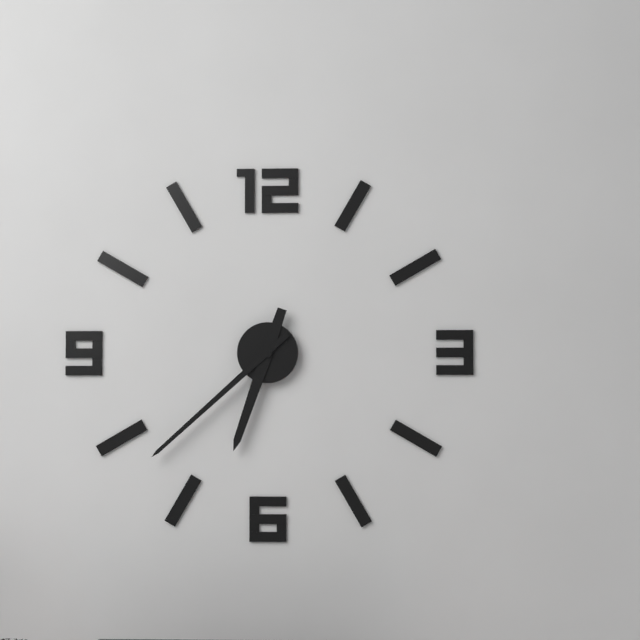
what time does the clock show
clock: 6:38
